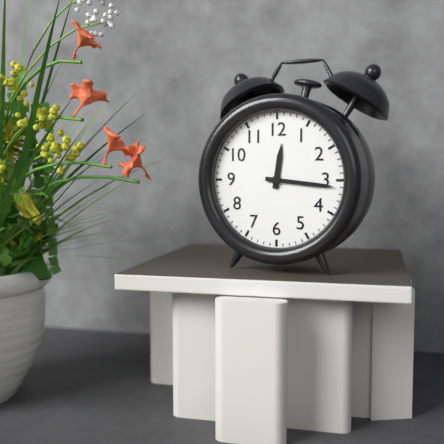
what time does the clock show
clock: 12:16
